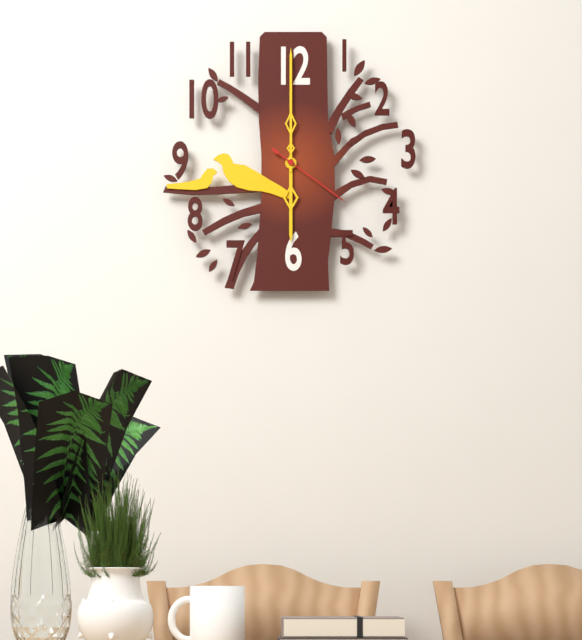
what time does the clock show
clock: 6:00:21
